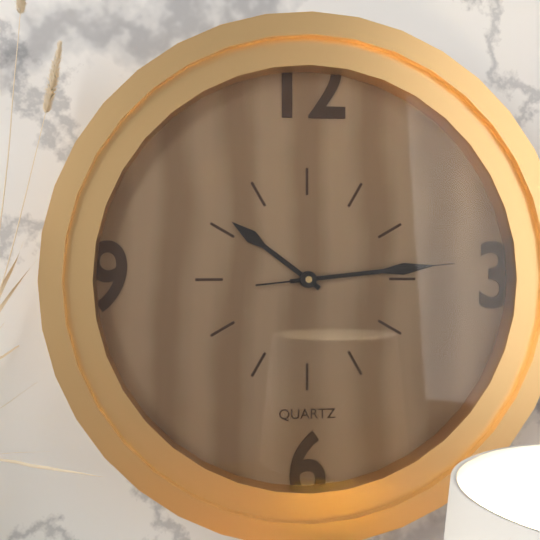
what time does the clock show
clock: 10:14:14
